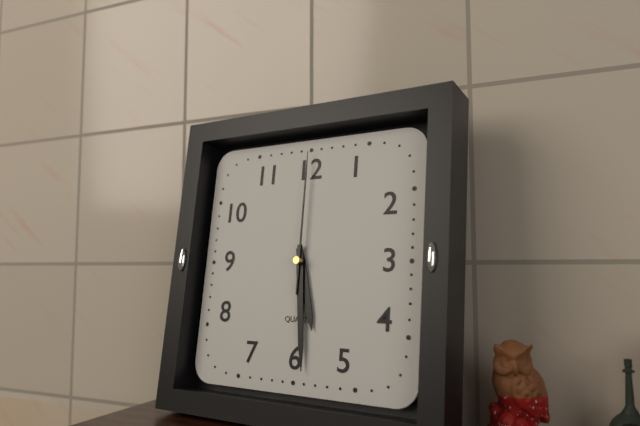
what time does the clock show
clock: 5:29:00
